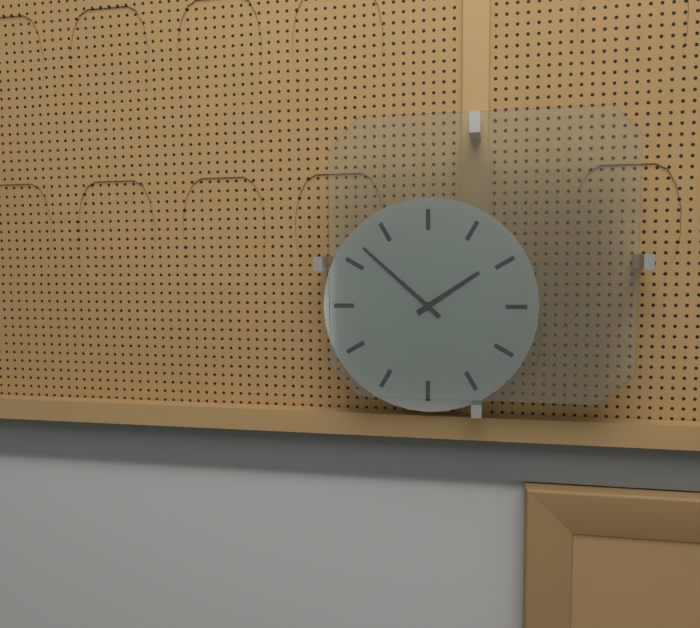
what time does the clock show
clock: 1:52
